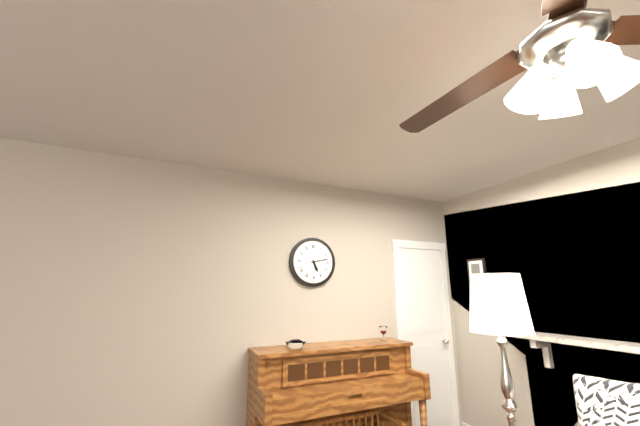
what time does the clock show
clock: 5:13
